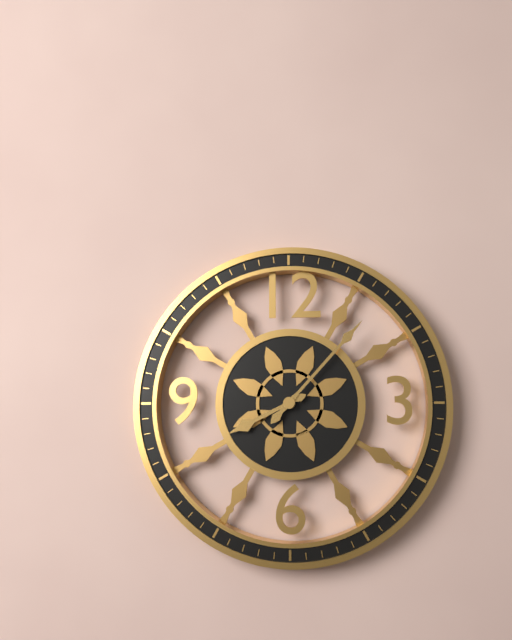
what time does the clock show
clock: 8:07
